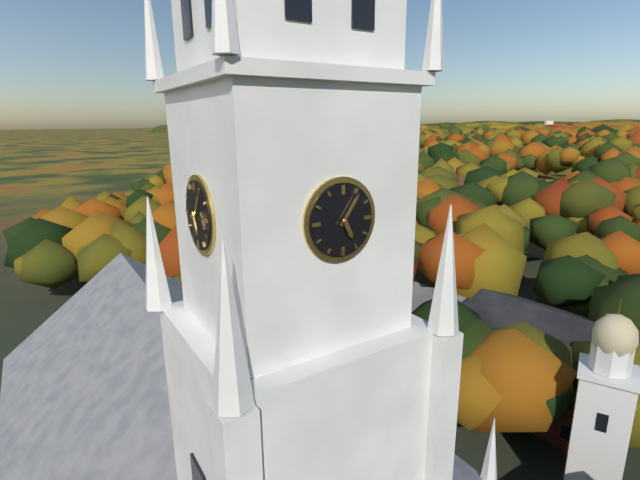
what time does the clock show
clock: 5:06
